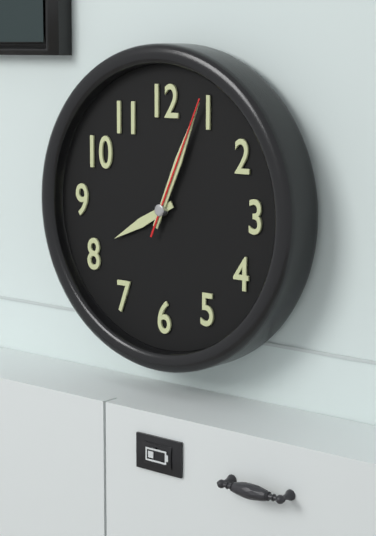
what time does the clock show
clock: 8:04:04
